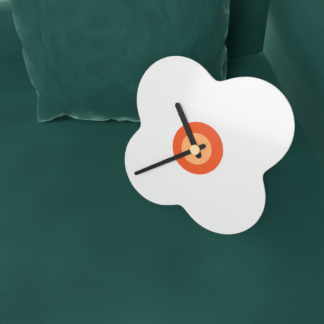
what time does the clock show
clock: 10:38
